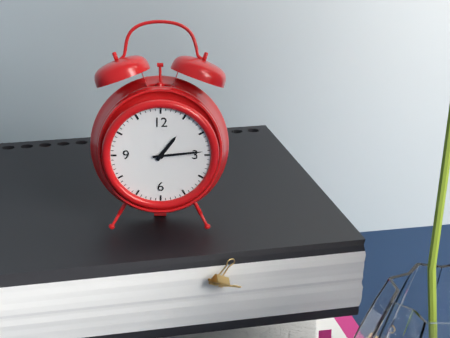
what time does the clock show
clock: 1:14
